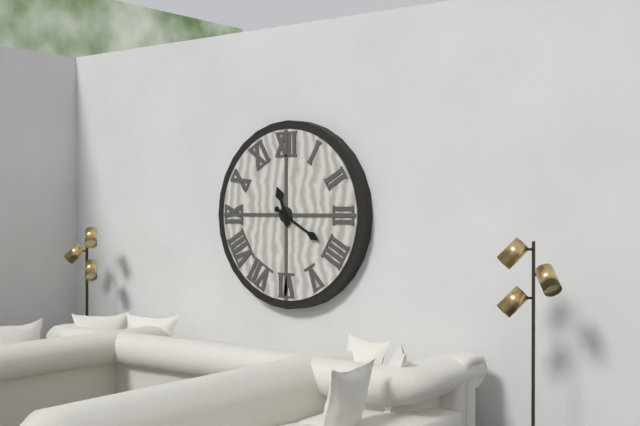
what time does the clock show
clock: 11:20
